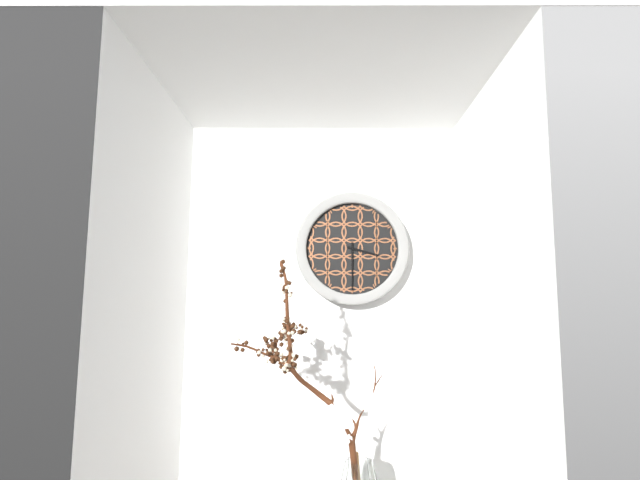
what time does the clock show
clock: 3:30
